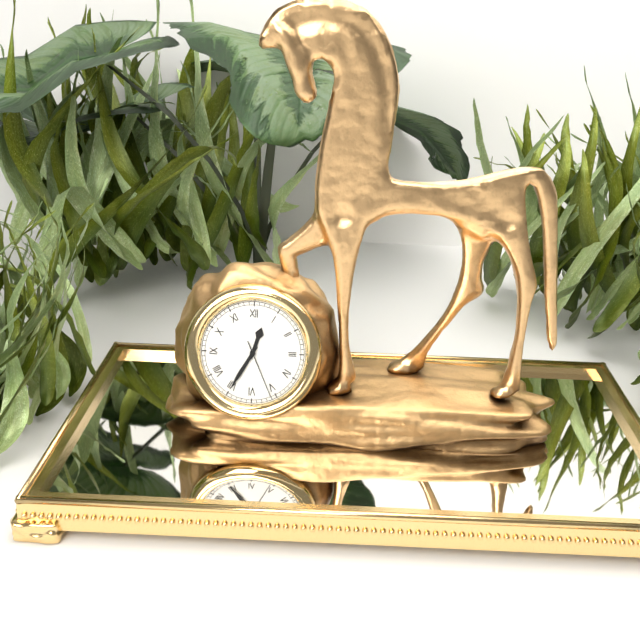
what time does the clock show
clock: 12:35:26
